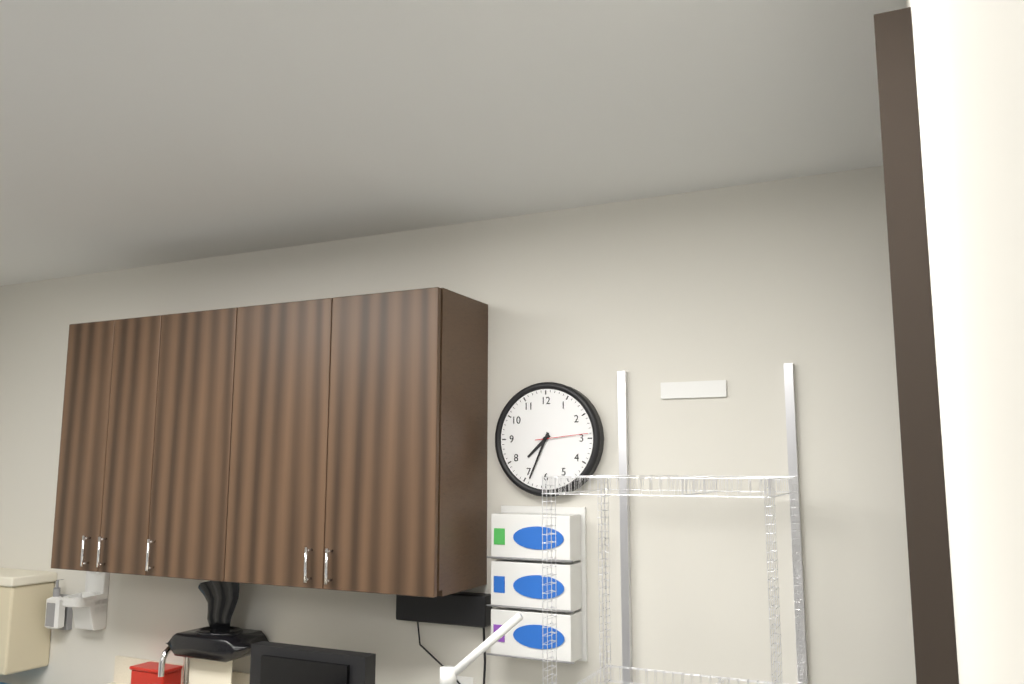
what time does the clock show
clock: 7:34:14
